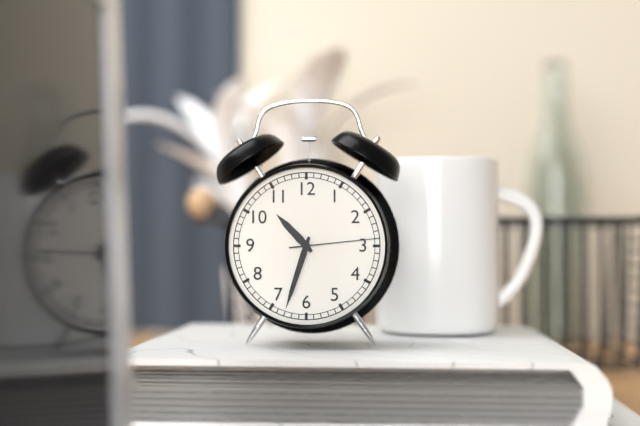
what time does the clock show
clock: 10:33:14
